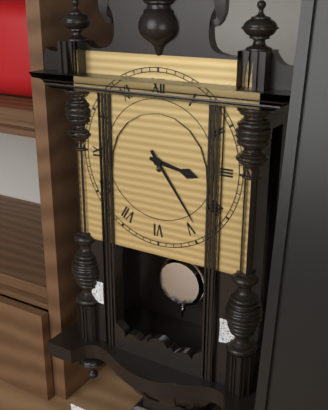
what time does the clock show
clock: 3:24
